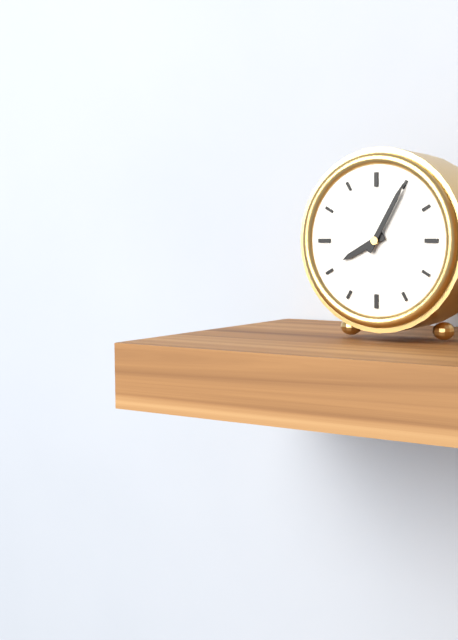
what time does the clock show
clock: 8:05
